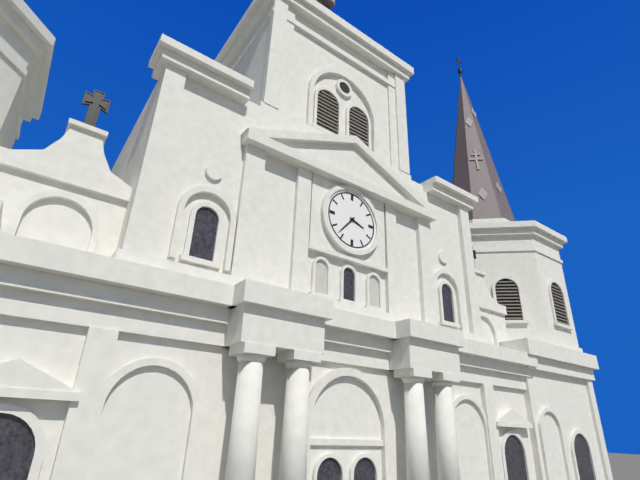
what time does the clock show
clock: 3:37
